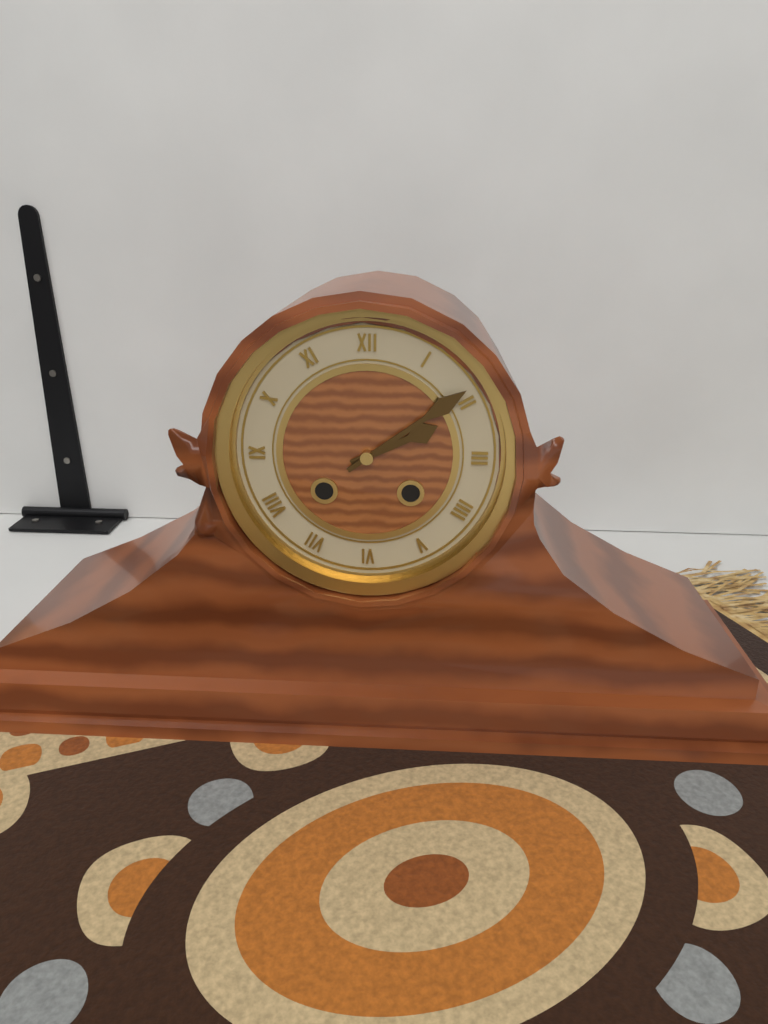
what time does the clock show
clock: 2:09
